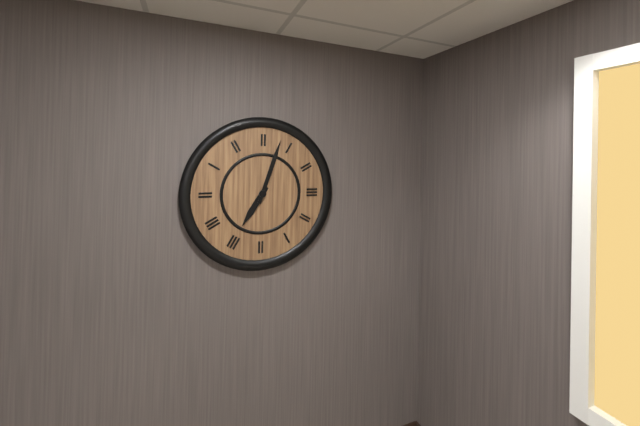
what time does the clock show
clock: 7:03
